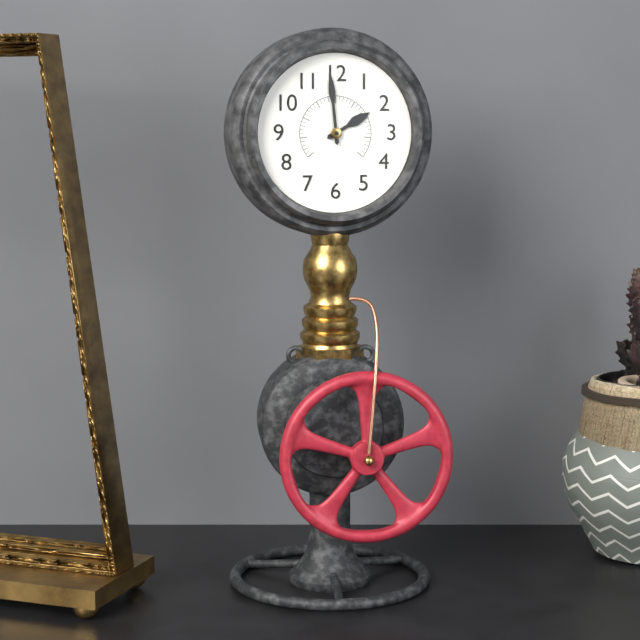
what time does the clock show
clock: 1:59
